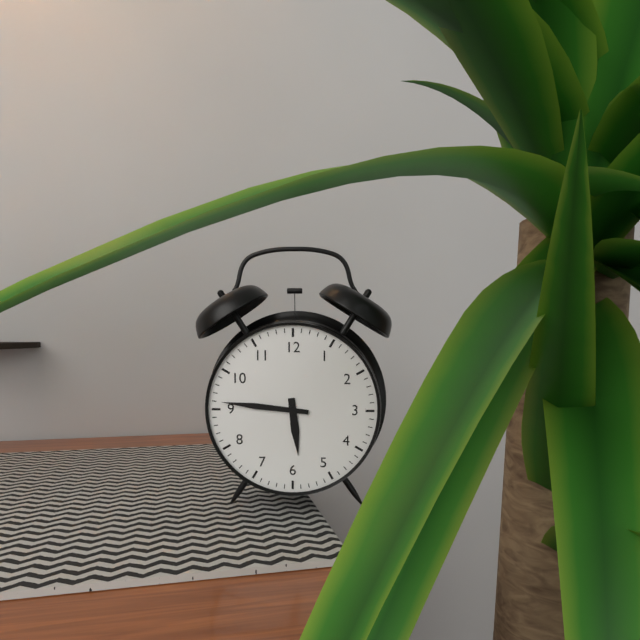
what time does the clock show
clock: 5:46
